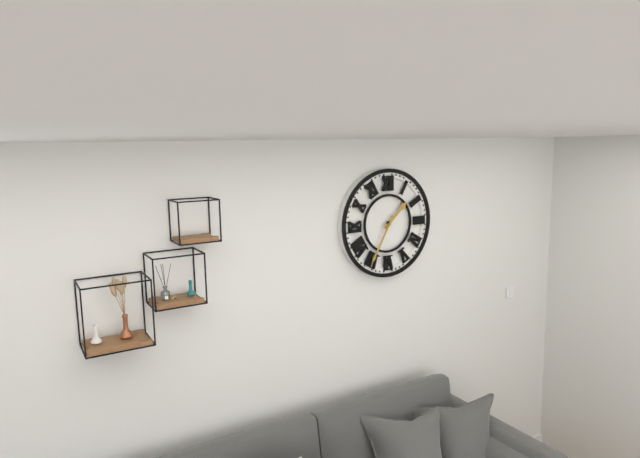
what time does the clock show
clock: 1:35
